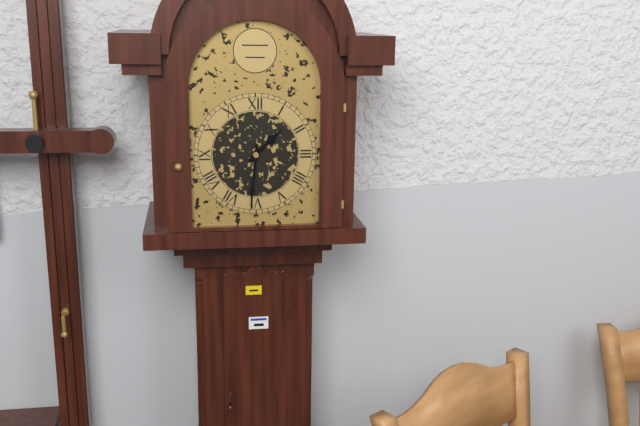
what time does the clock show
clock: 1:31
